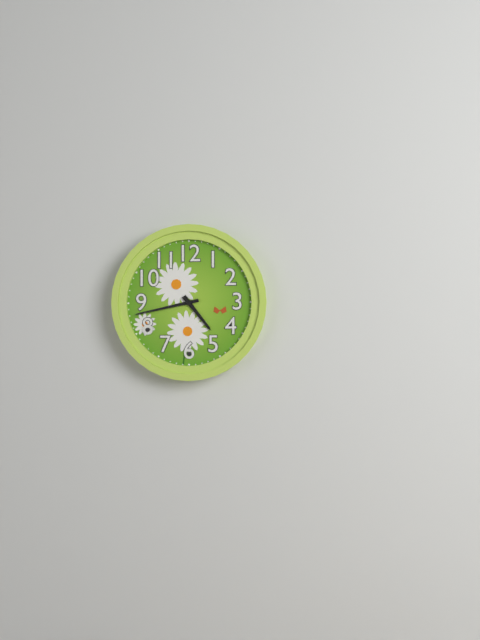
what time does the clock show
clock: 4:43
